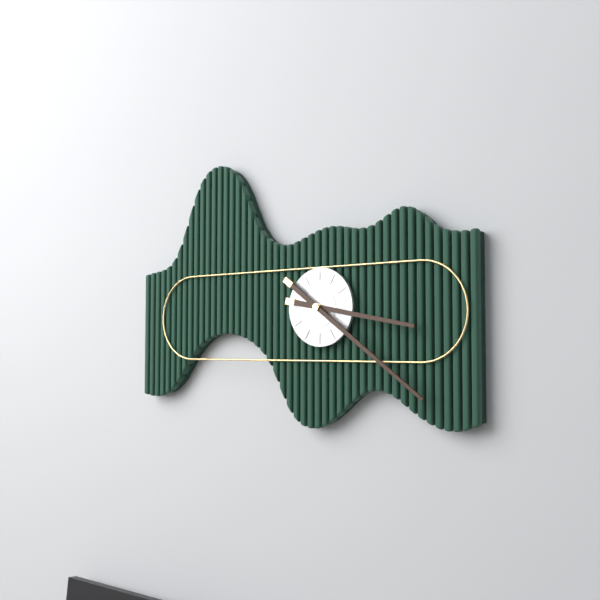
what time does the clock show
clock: 3:21
